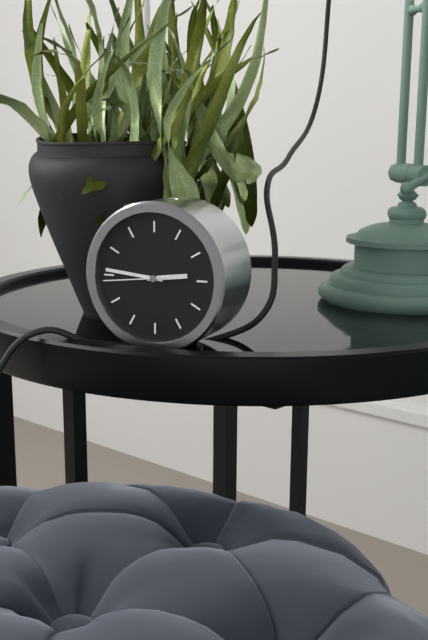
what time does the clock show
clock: 2:46:44
